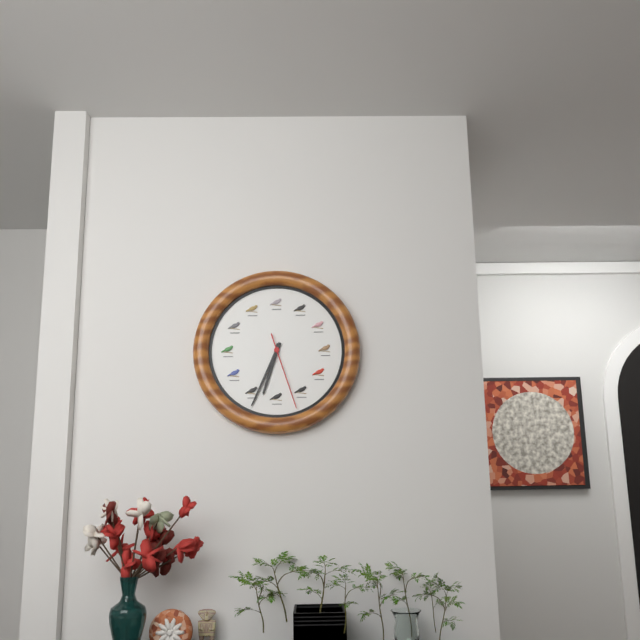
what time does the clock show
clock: 6:34:27
